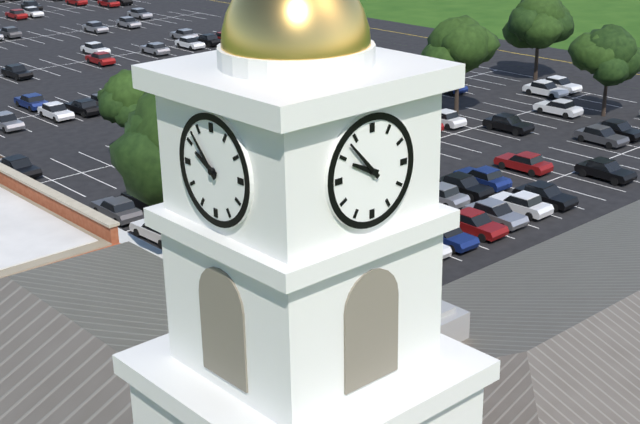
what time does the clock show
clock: 9:53
